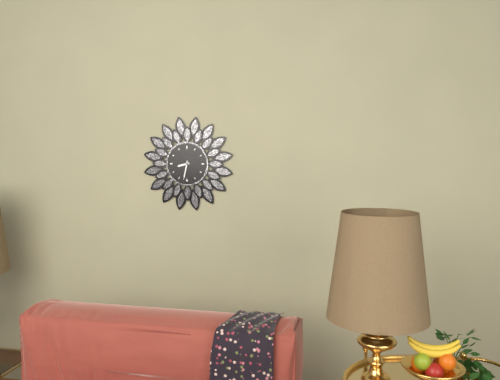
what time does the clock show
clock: 8:32
